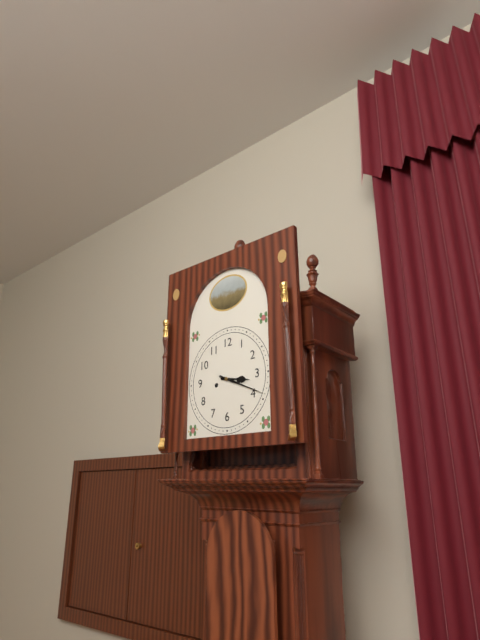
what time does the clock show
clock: 3:19
